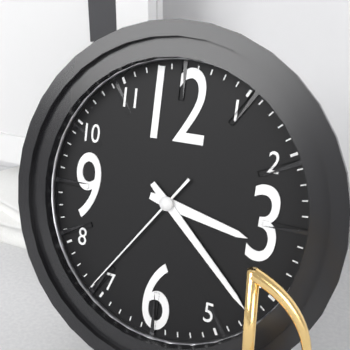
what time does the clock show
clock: 3:22:36
